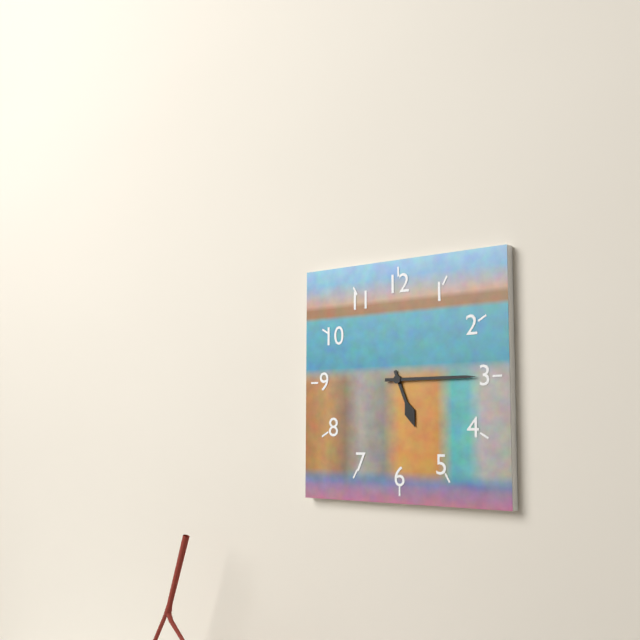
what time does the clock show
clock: 5:15
